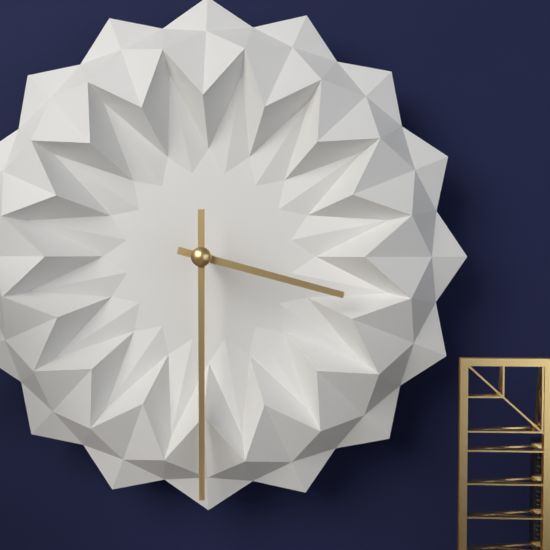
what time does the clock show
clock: 3:30
